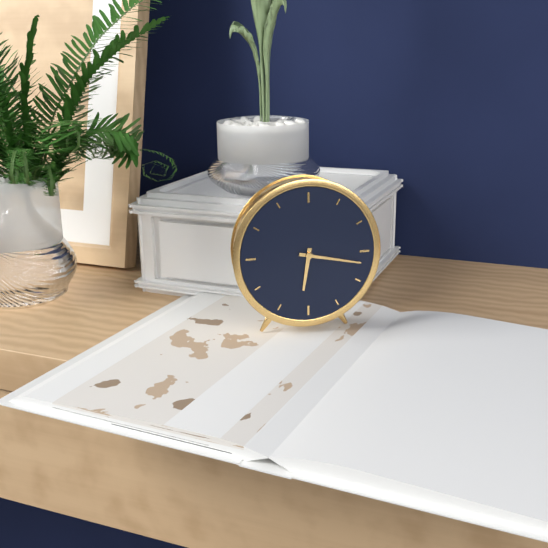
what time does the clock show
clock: 6:17
